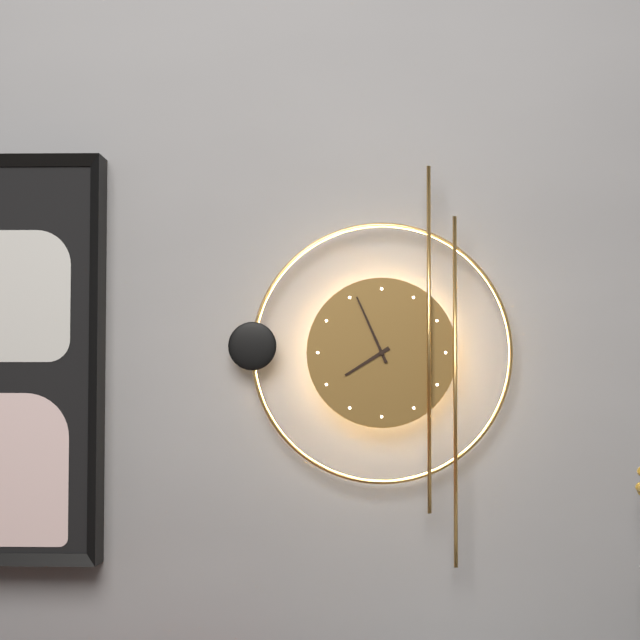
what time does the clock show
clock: 7:56
